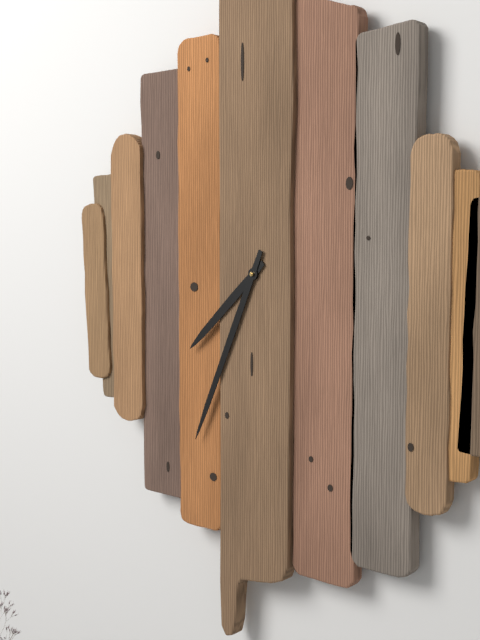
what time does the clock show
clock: 7:34
